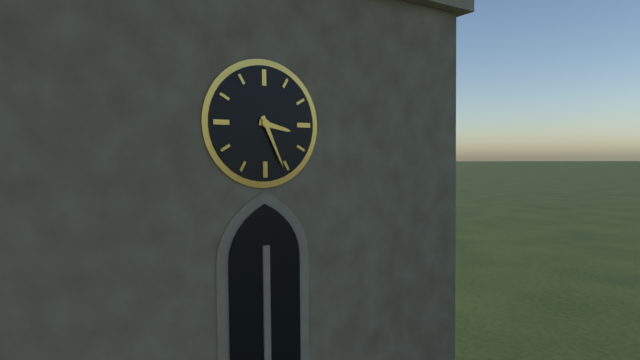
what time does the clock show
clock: 3:26
